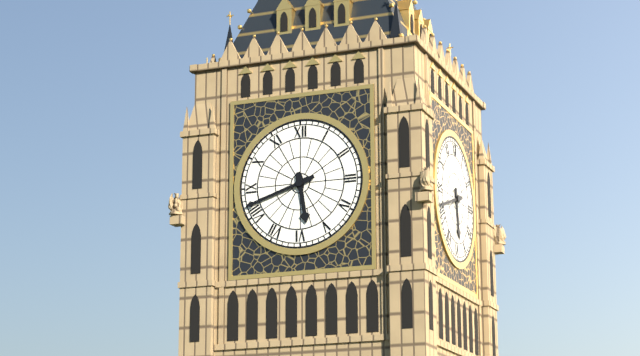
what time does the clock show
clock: 5:42
